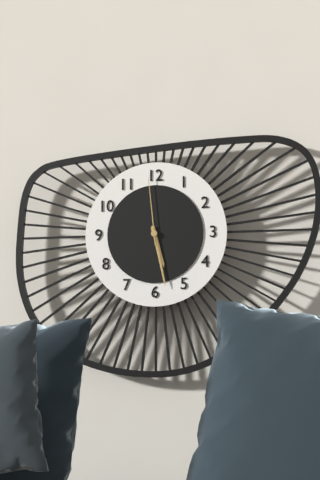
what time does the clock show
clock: 5:28:59
